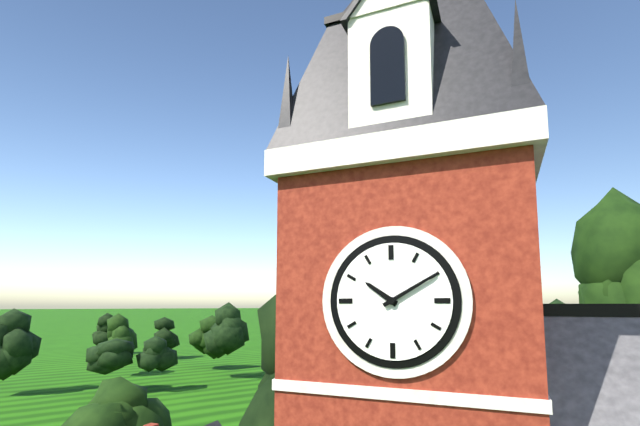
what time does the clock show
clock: 10:10
